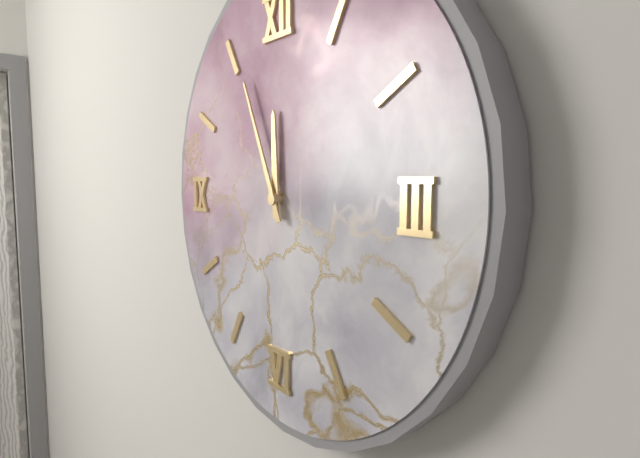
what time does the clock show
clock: 11:56
